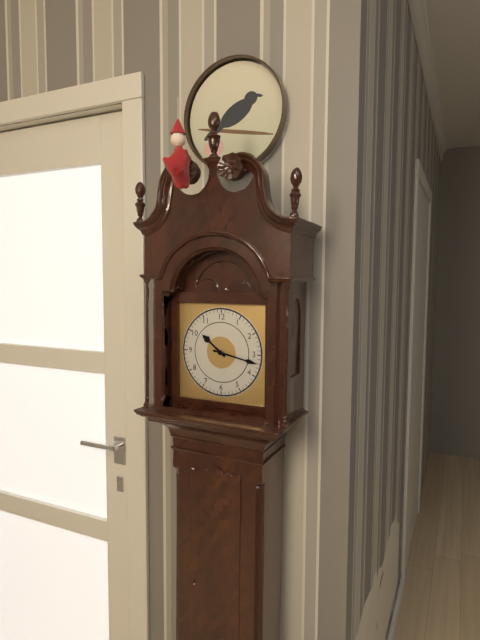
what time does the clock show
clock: 10:17
